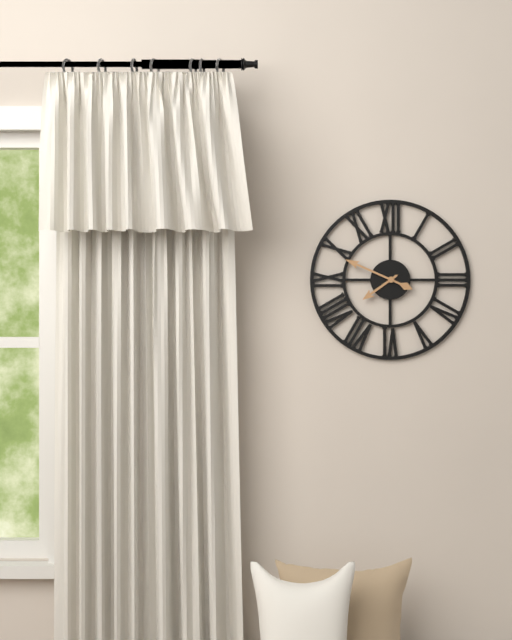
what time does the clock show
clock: 7:49
